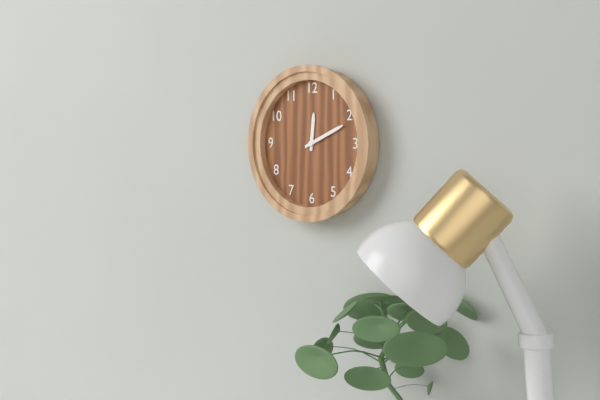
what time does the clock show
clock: 12:11
